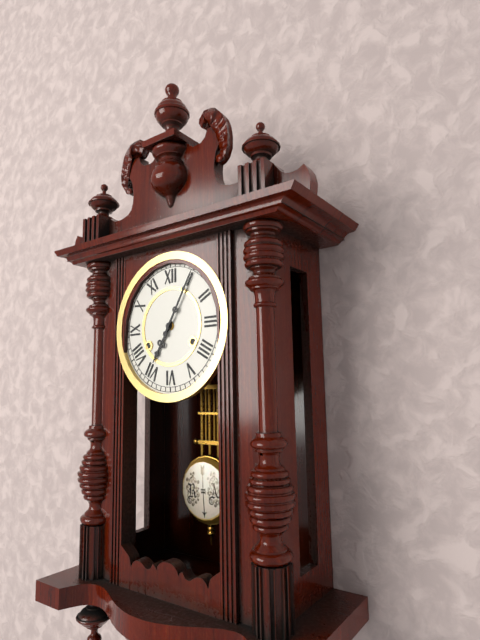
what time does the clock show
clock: 7:05
